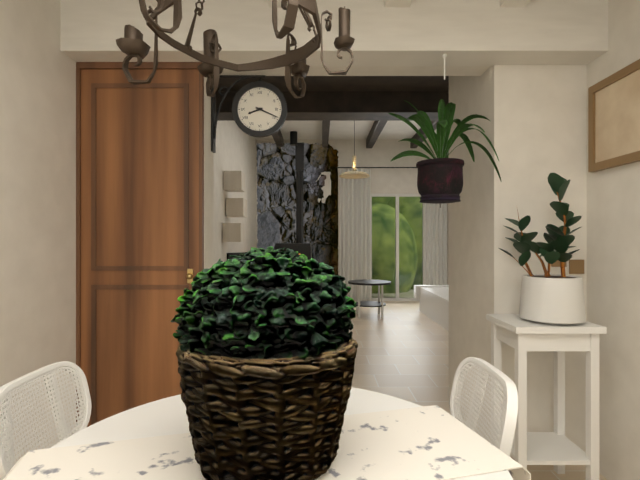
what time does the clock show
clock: 8:19
